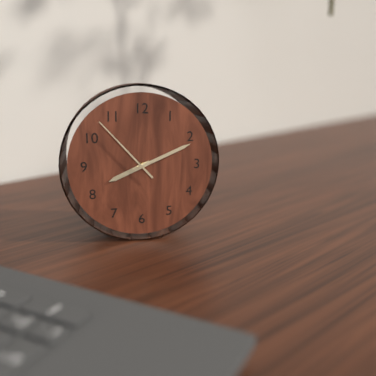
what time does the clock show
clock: 8:11:53
